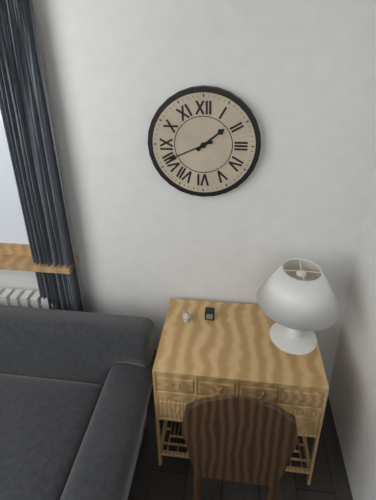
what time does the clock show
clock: 1:41
